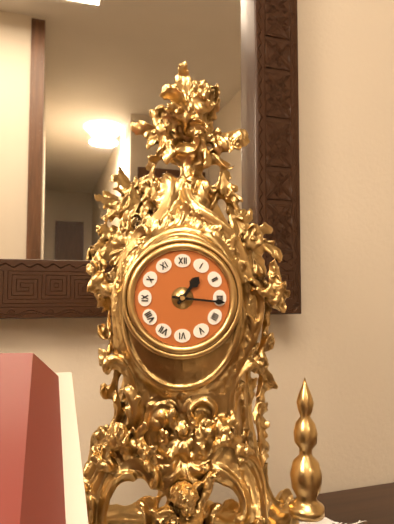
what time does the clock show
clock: 1:16
